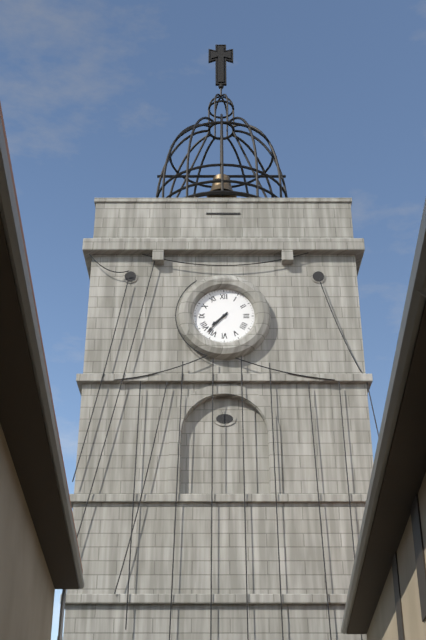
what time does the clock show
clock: 7:37
